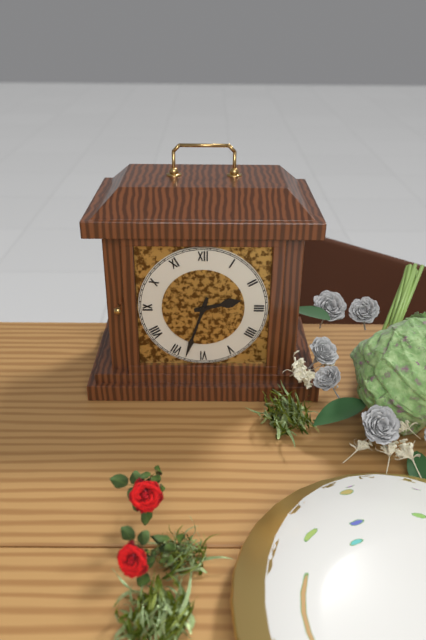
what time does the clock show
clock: 2:33
